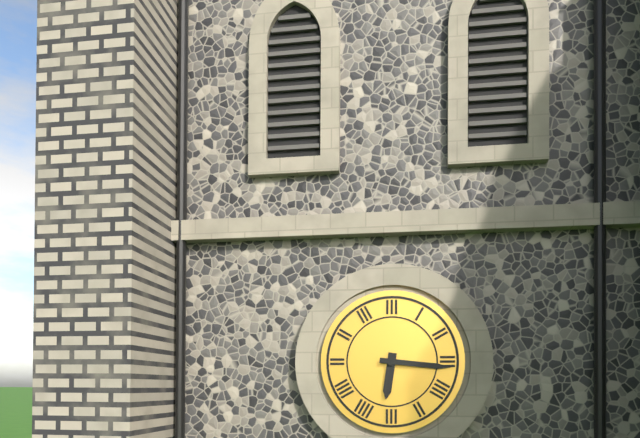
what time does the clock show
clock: 6:16
